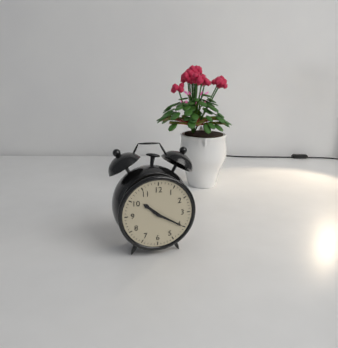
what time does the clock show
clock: 10:20
